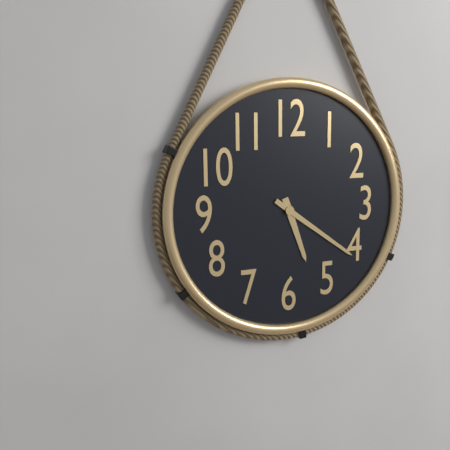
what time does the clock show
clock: 5:21
